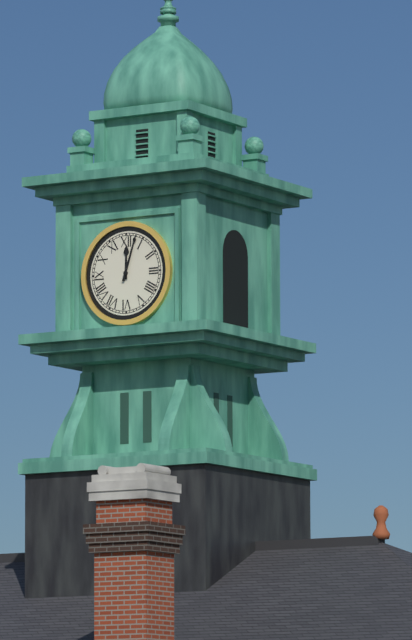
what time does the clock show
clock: 12:03
